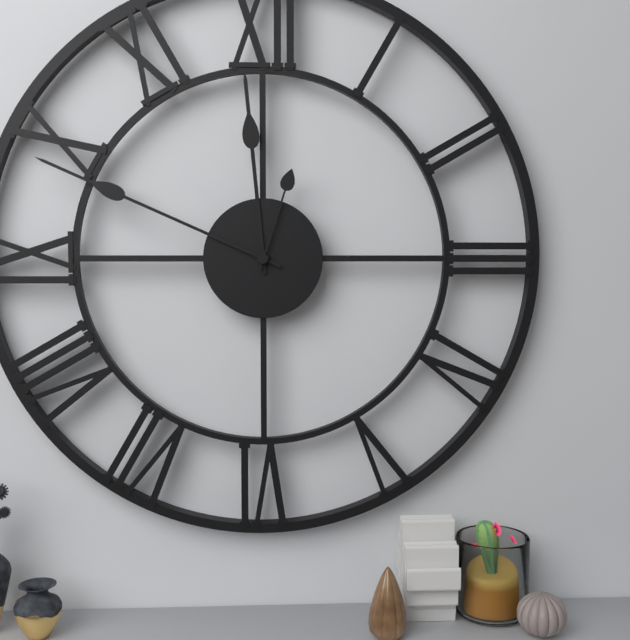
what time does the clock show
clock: 11:49:03
